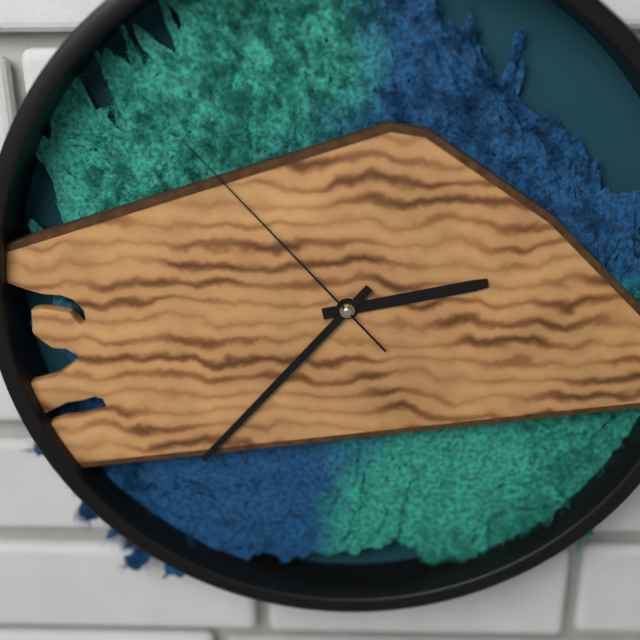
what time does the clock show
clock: 2:37:53
